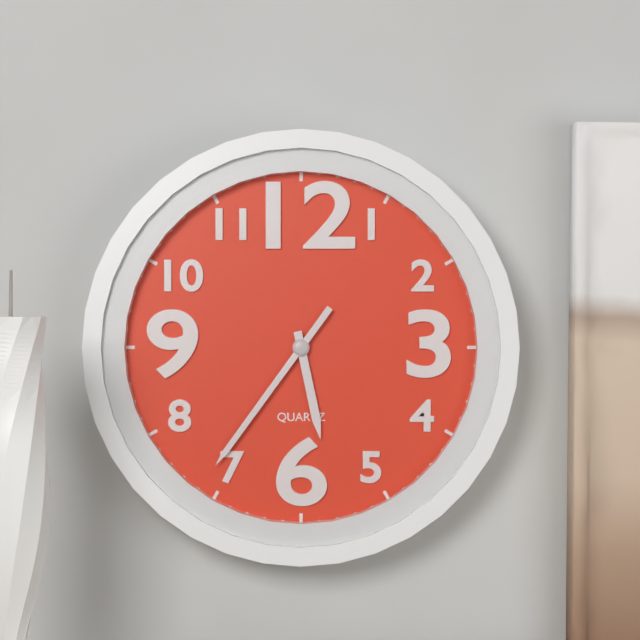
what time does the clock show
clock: 5:36
